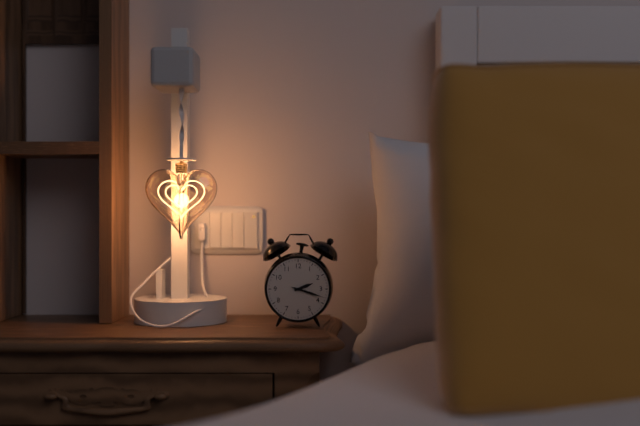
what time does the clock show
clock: 2:18
